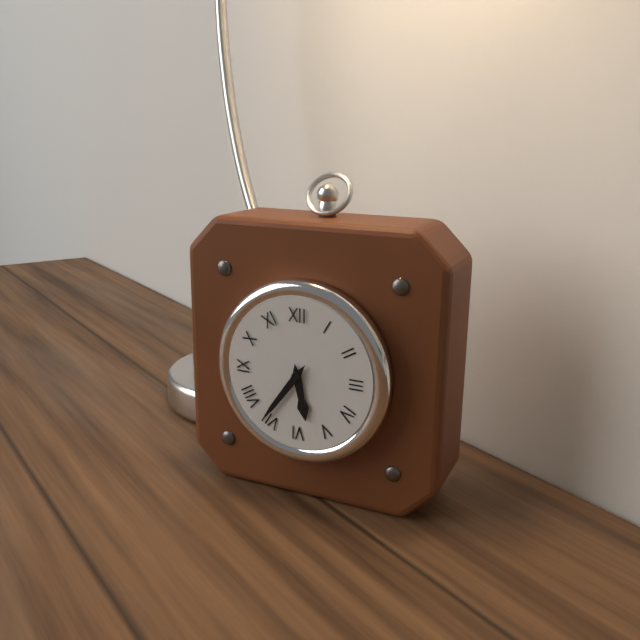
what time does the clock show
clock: 5:36
